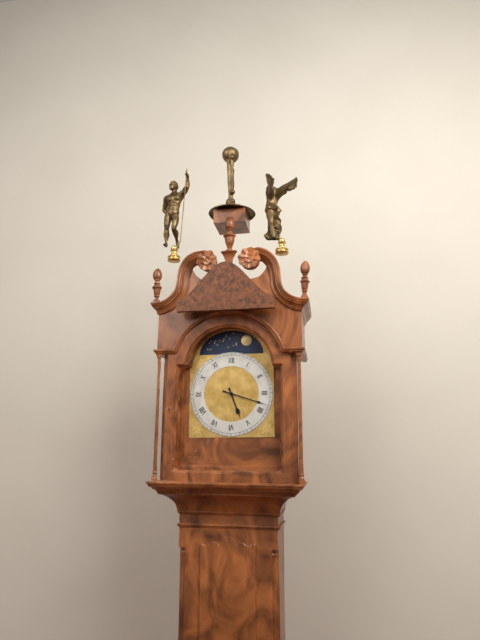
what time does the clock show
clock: 5:18
